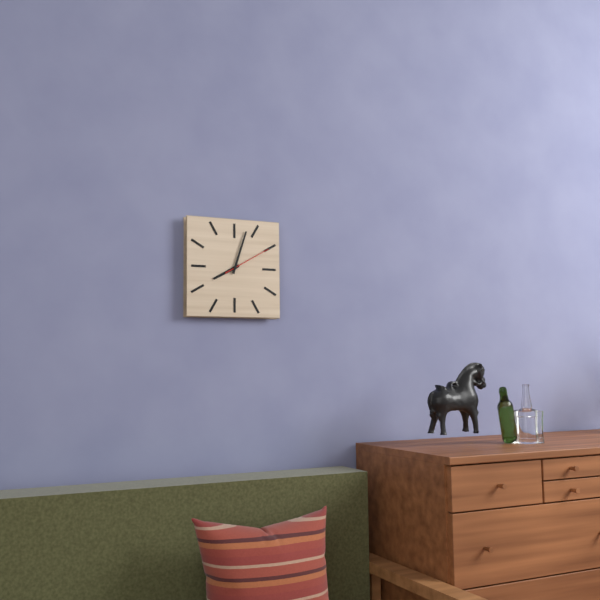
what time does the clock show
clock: 8:03
